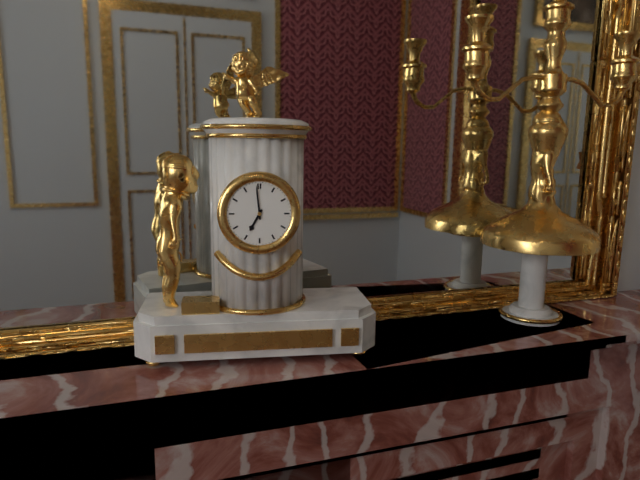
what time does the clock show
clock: 6:59
